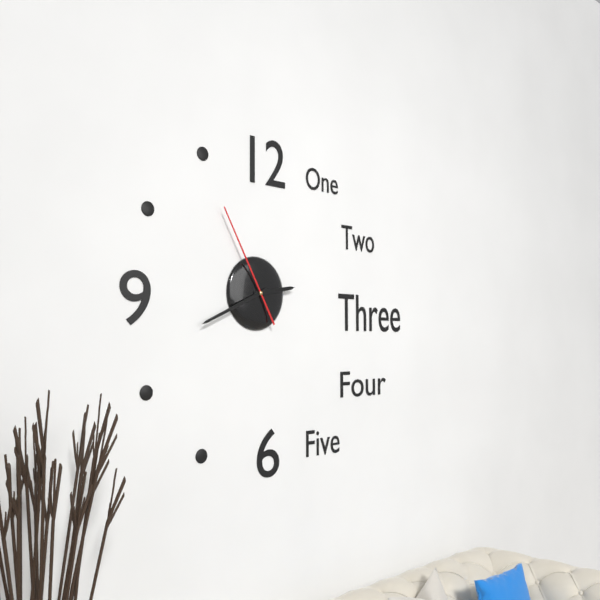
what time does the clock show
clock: 2:41:55
